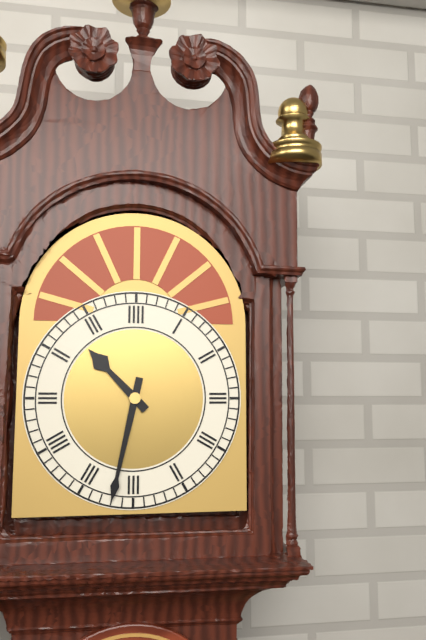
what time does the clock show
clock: 10:32
